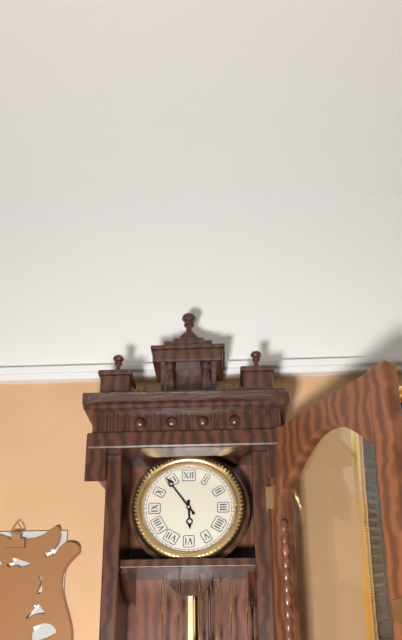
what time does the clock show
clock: 5:54
